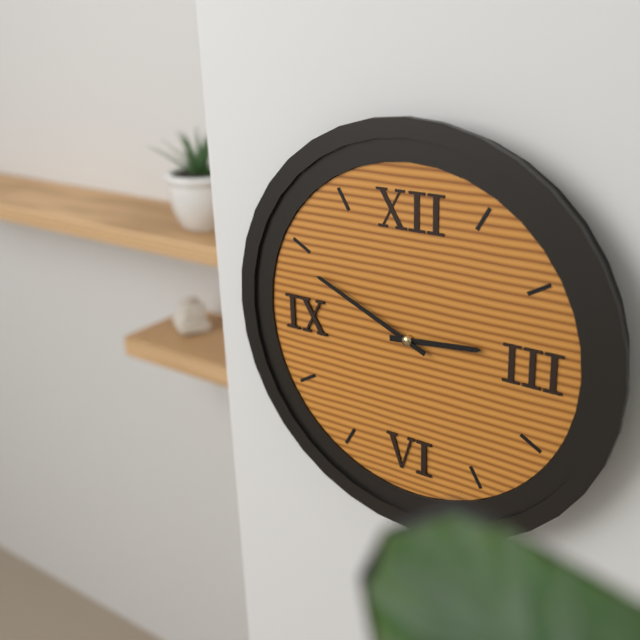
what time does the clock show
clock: 2:49
